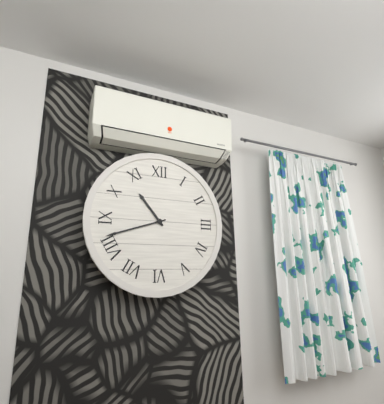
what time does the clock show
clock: 10:42
